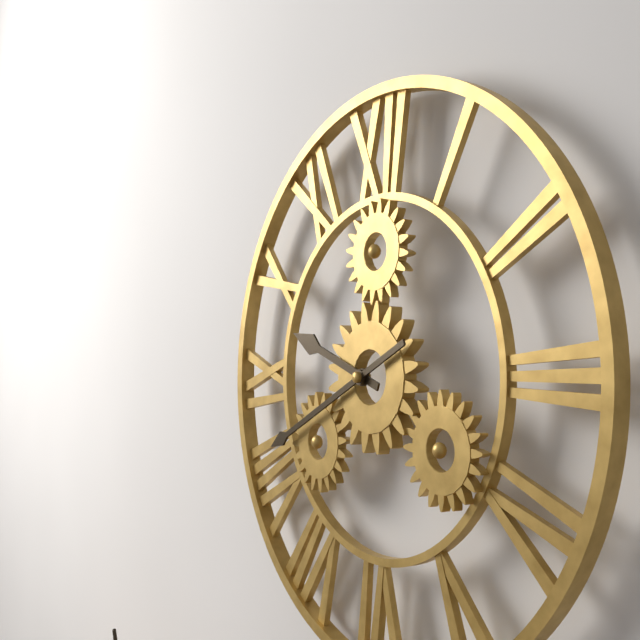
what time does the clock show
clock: 9:41
